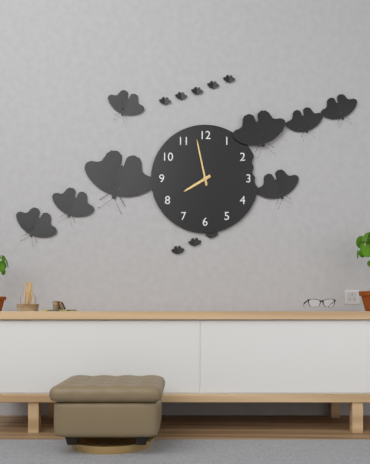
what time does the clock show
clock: 7:58
